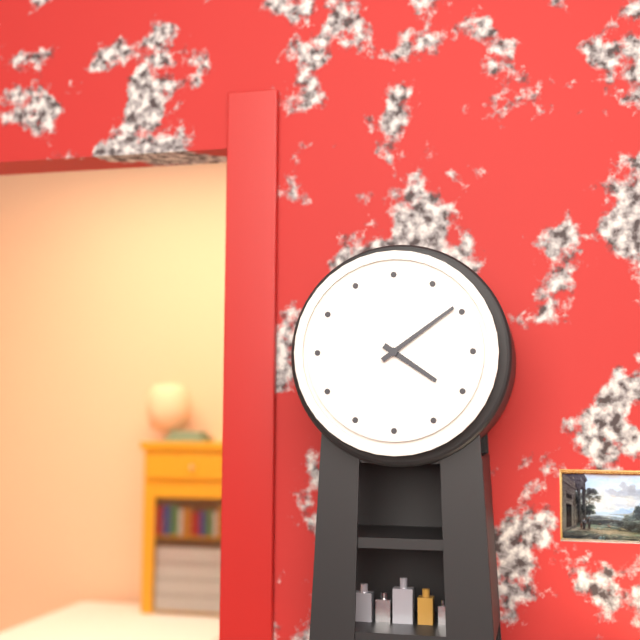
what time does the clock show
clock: 4:09
